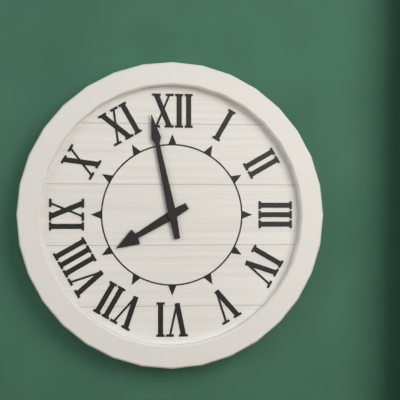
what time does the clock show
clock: 7:58
